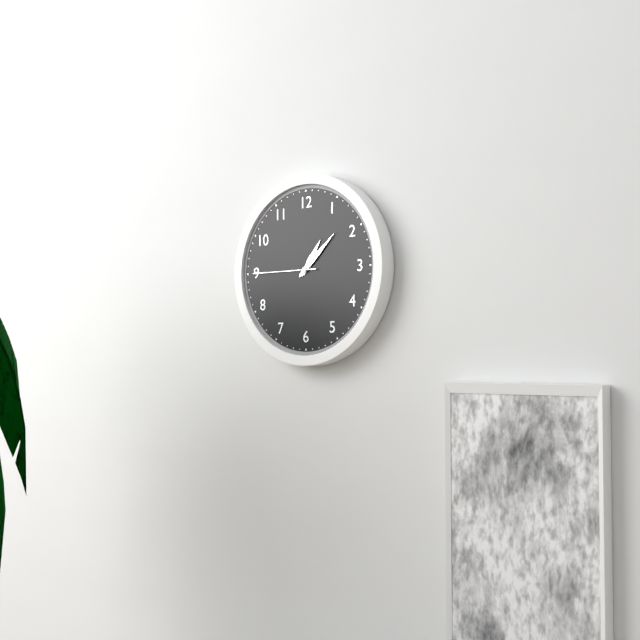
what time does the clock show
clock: 1:08:45
